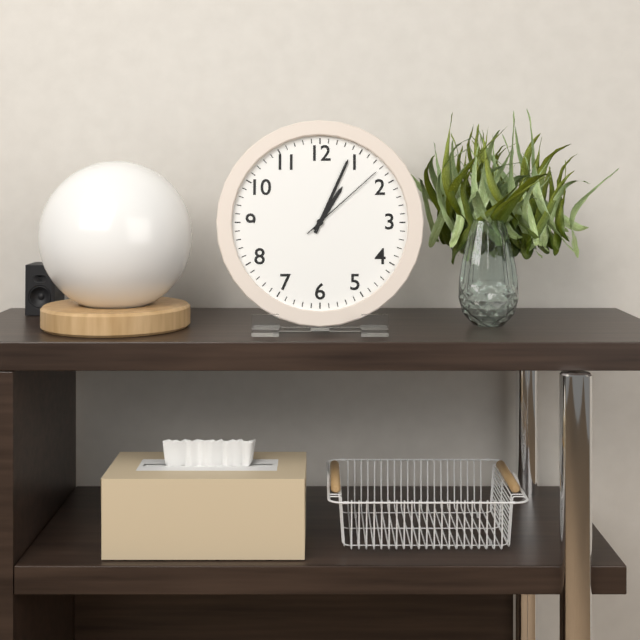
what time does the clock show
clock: 1:04:08
